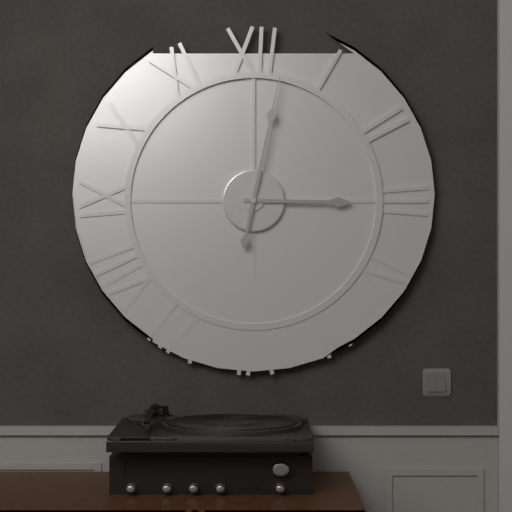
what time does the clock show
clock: 3:02
